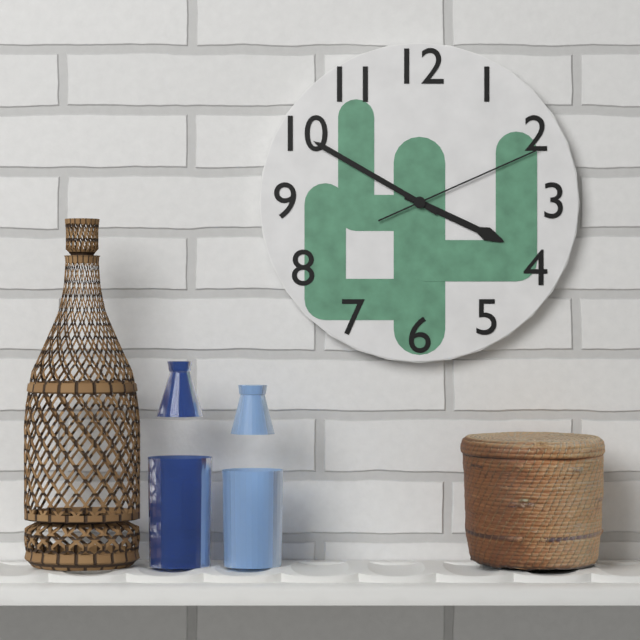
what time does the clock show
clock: 3:50:11
